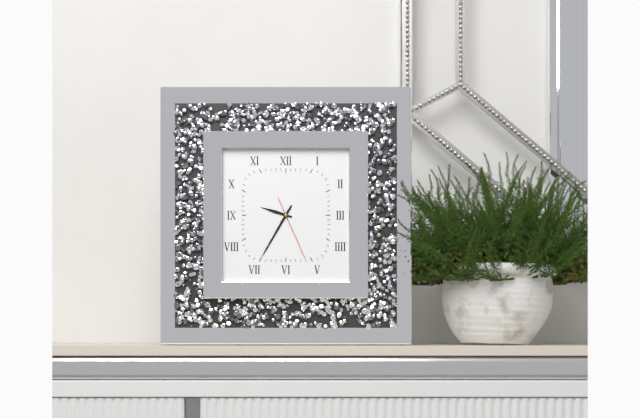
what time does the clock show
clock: 9:35:26
